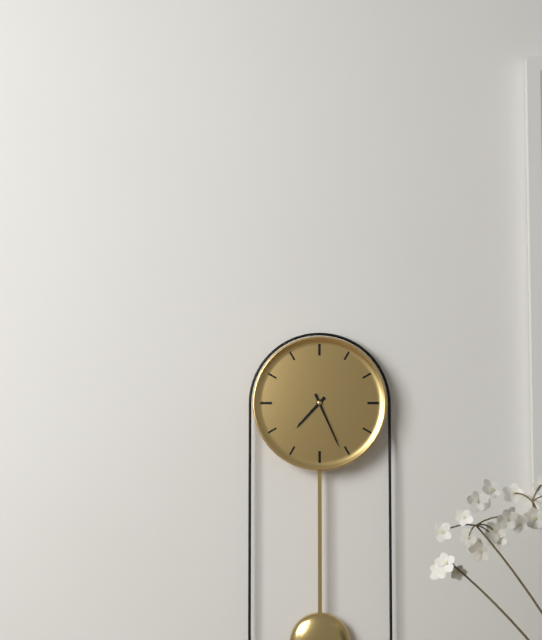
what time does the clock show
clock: 7:26
